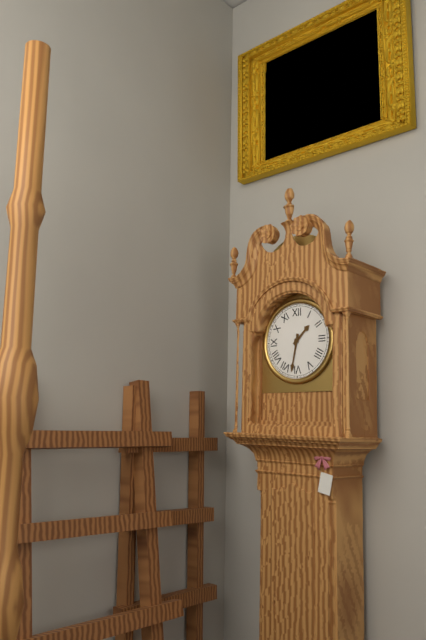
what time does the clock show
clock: 1:32
